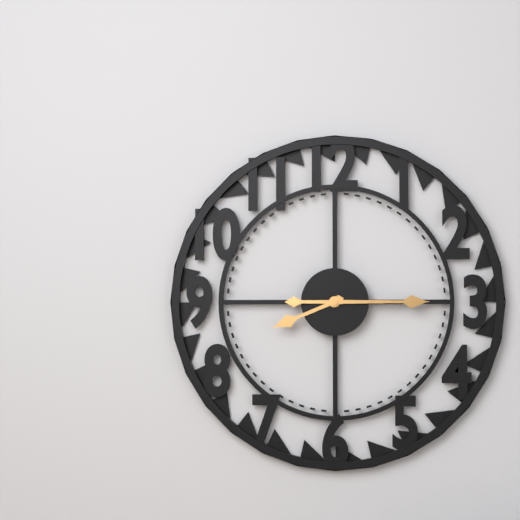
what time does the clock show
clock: 8:15
